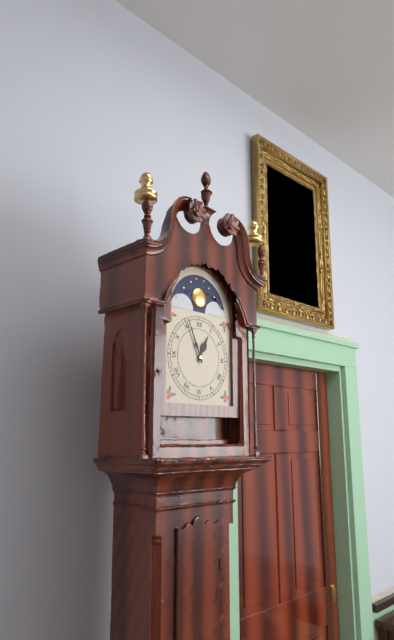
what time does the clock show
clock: 12:56
